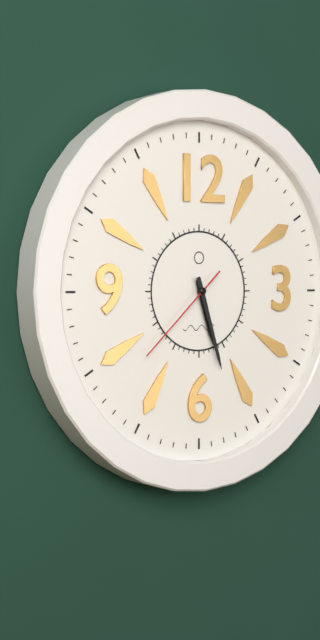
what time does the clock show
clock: 5:27:38
